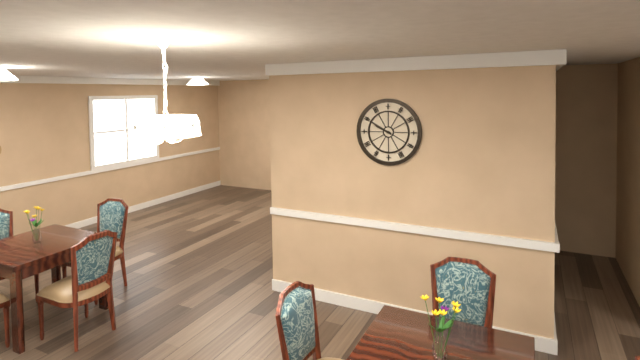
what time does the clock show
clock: 9:50
